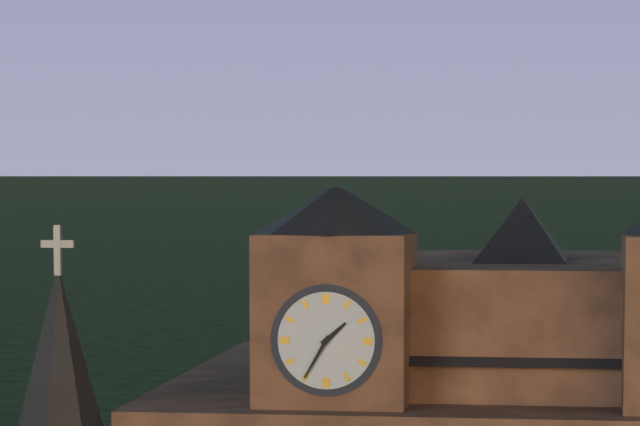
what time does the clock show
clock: 1:35
